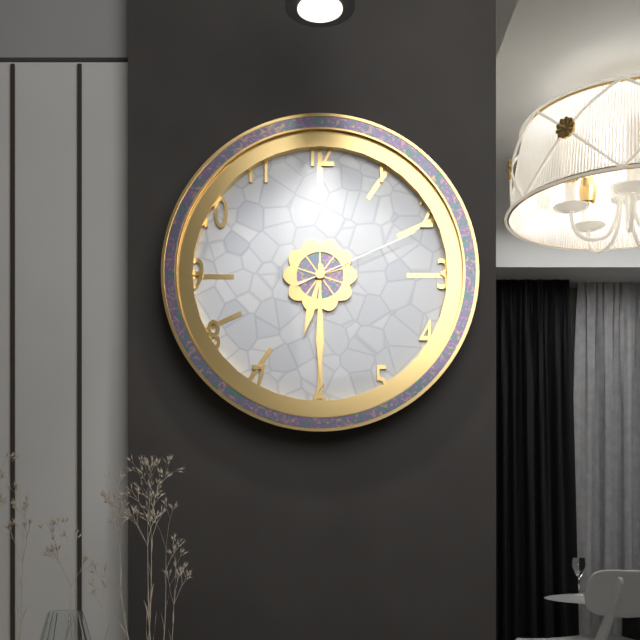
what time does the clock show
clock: 6:30:11
